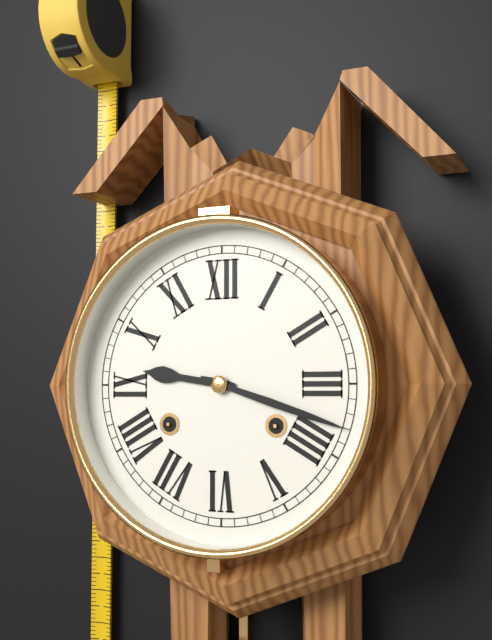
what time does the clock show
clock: 9:18
